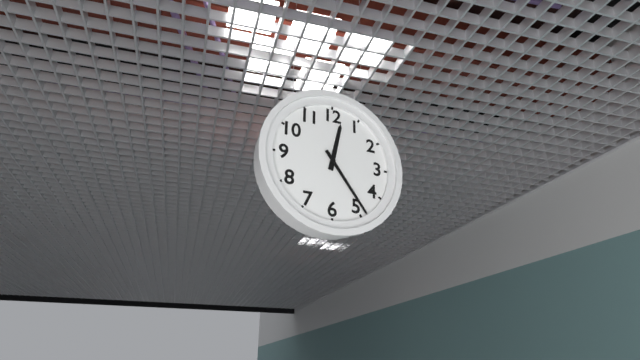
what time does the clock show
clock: 12:24
